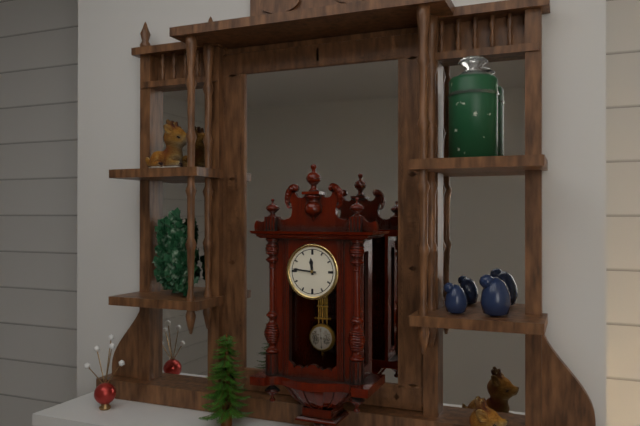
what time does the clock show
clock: 11:46
